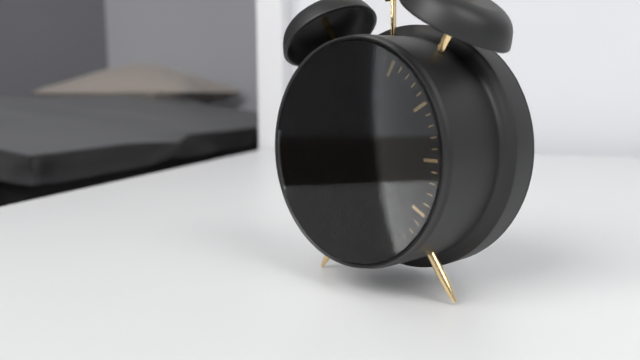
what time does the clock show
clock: 6:41:51
